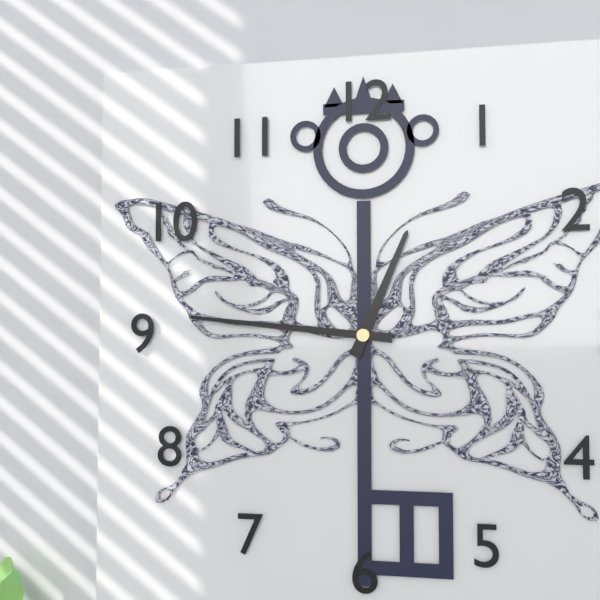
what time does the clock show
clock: 12:46
